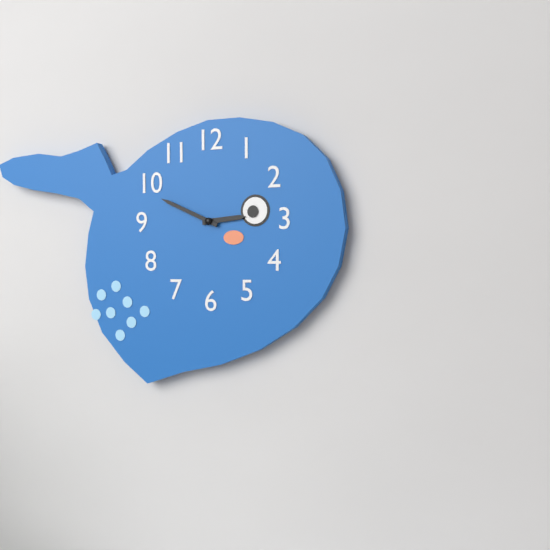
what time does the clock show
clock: 2:49
